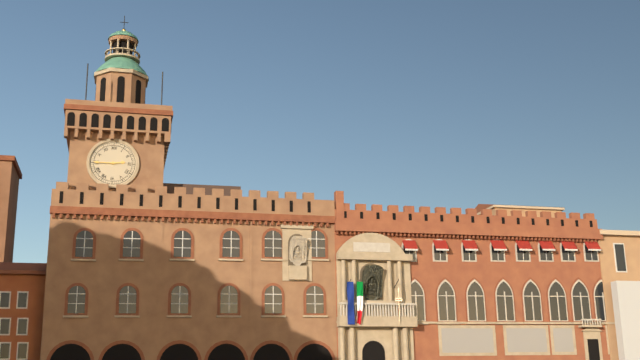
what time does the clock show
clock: 2:45
